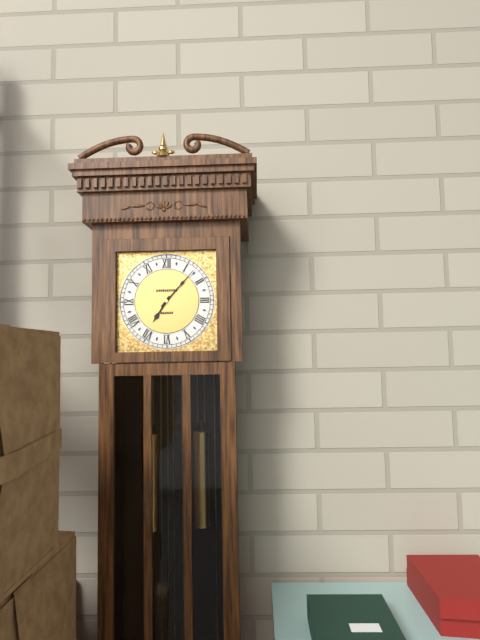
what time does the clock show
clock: 7:07
